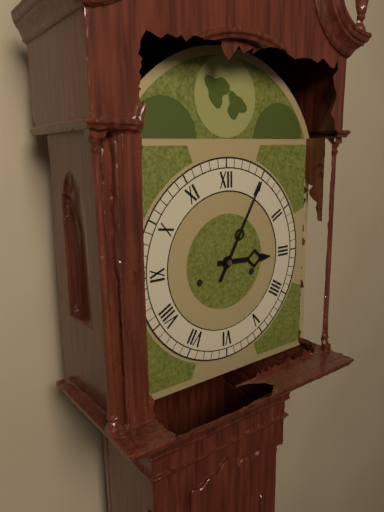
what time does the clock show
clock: 3:05
